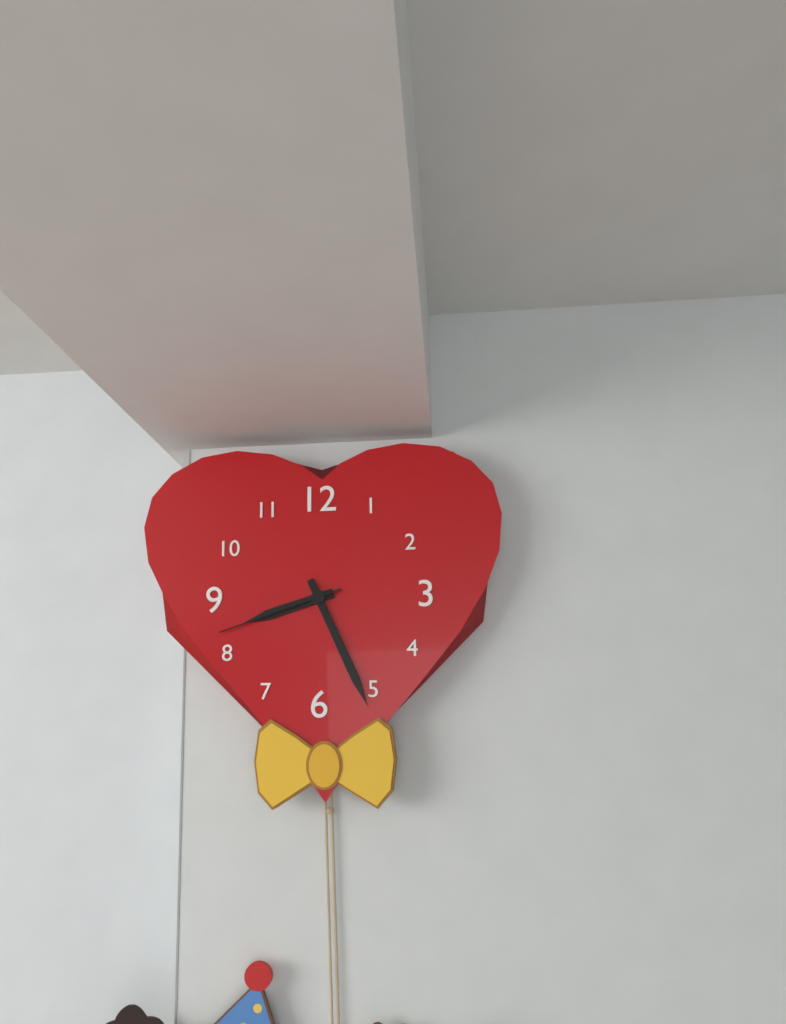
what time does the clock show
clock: 8:26:42
